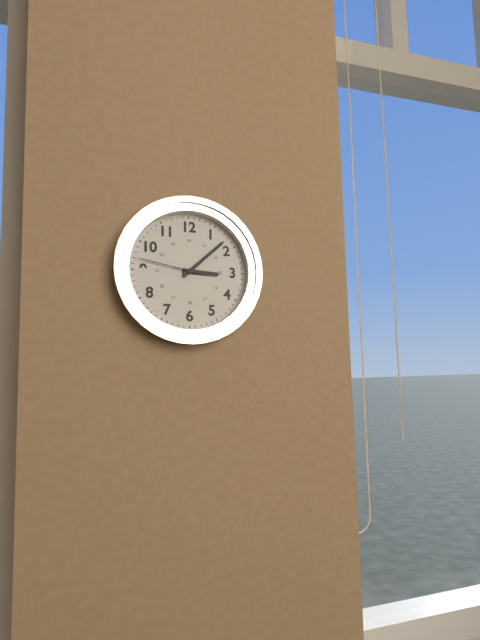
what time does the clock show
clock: 3:08:47
